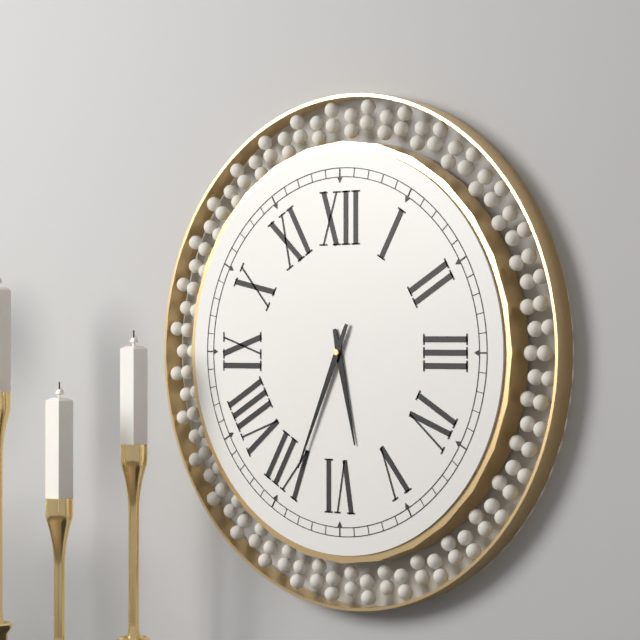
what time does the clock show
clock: 5:34
